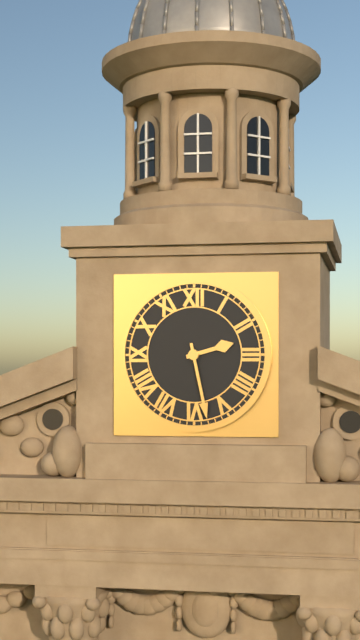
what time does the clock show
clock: 2:28
